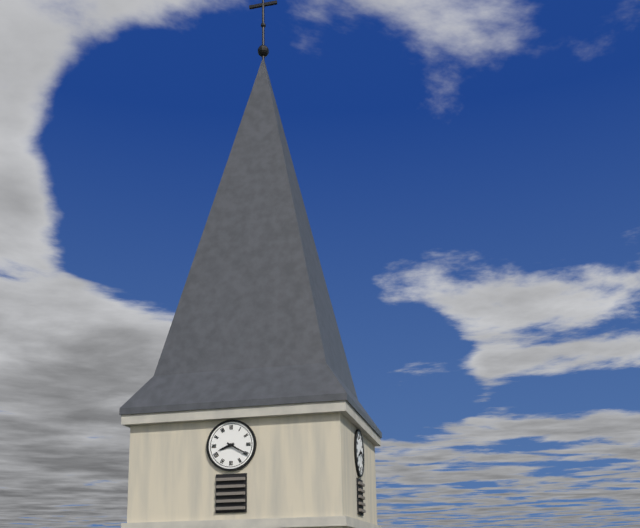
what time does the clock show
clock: 8:20
